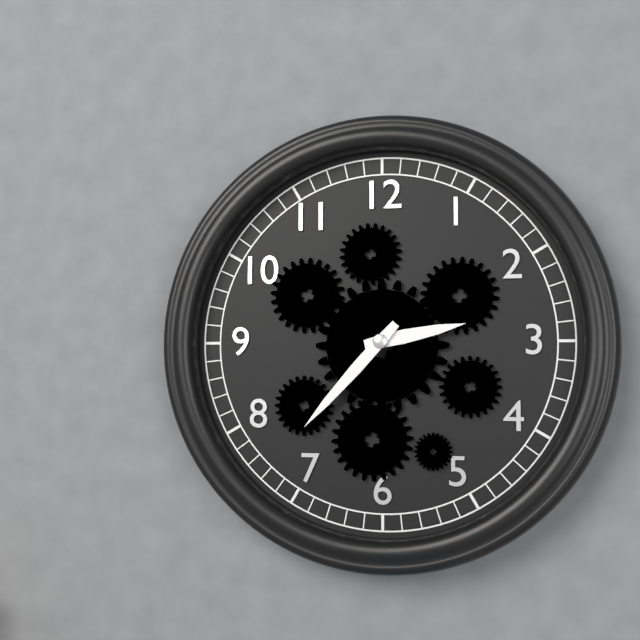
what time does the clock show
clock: 2:37
